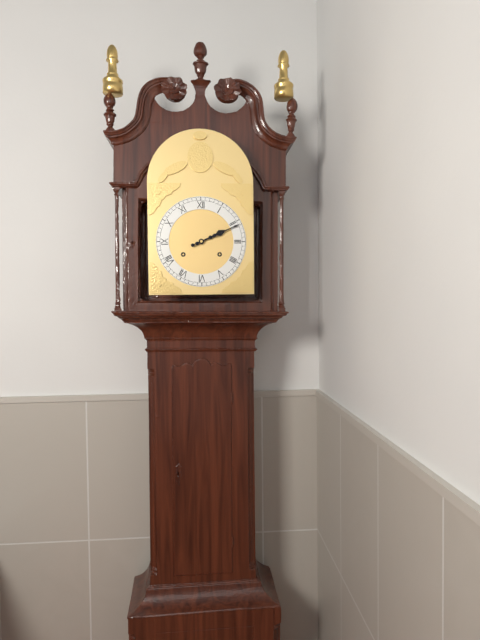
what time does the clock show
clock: 2:11
